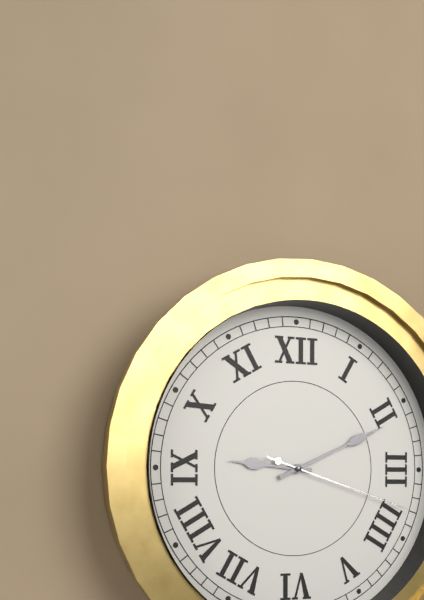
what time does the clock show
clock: 9:11:18
